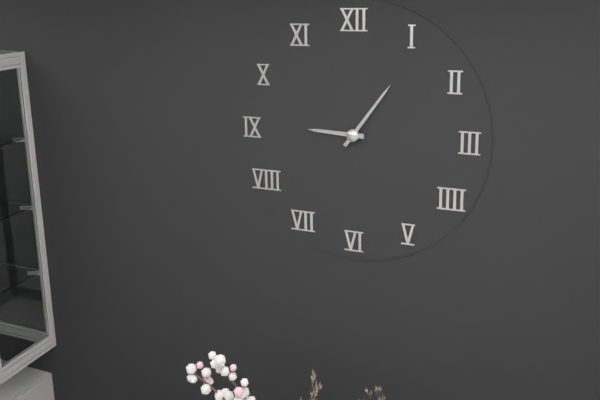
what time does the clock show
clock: 9:06
